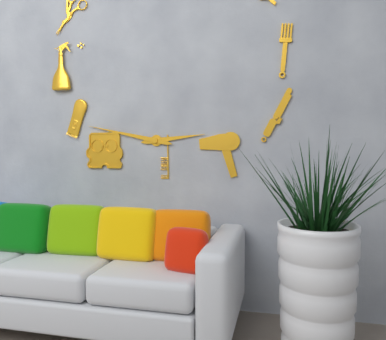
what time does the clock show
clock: 2:47
